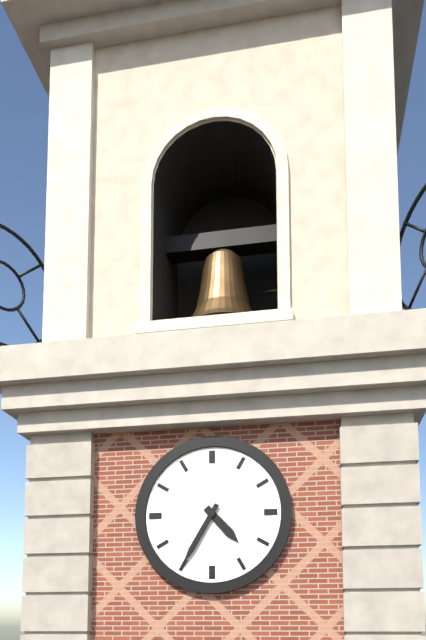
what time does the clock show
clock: 4:35
